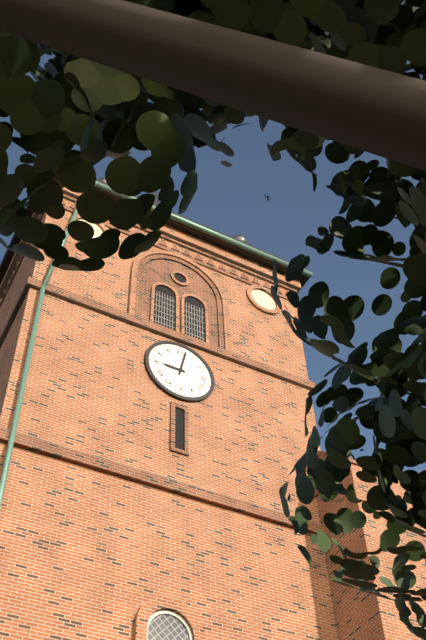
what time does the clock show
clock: 9:02
